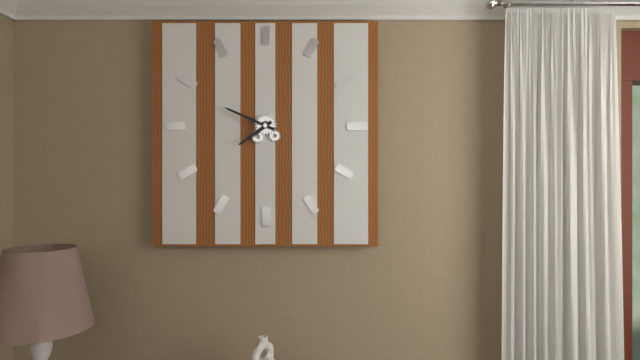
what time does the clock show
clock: 7:49
